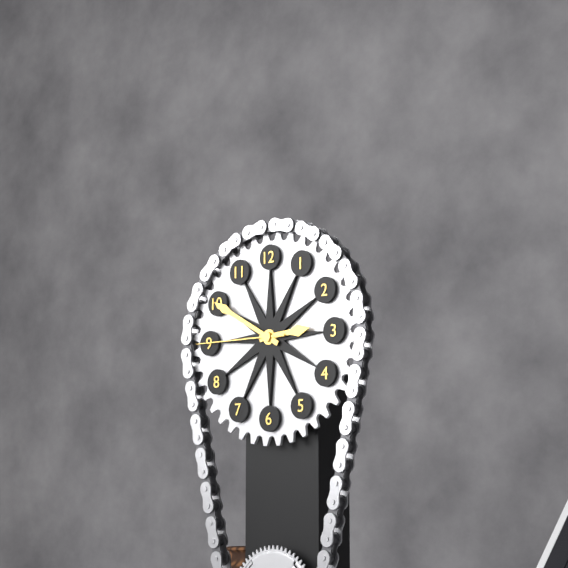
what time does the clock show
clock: 2:50:45
